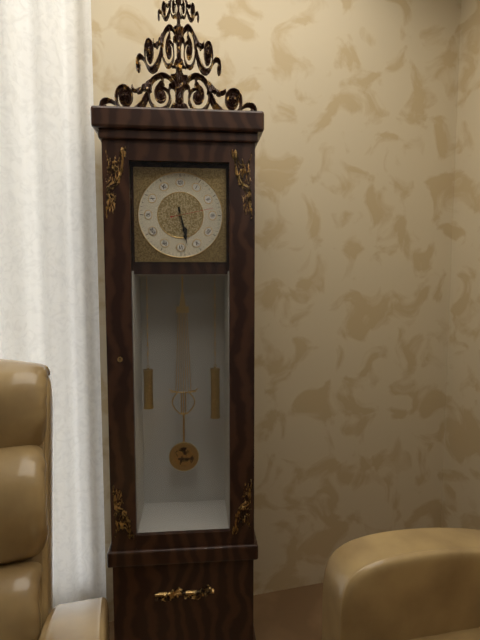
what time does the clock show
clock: 5:28
